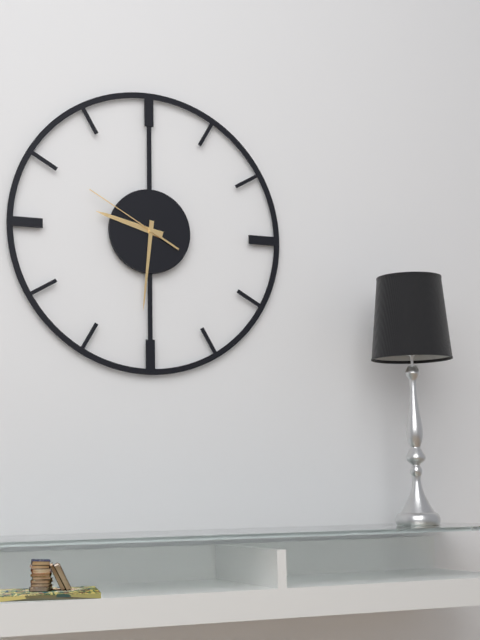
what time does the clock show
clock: 9:31:50
